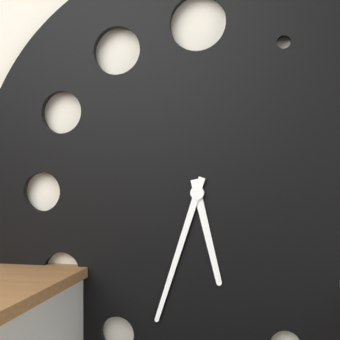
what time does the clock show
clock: 5:33
